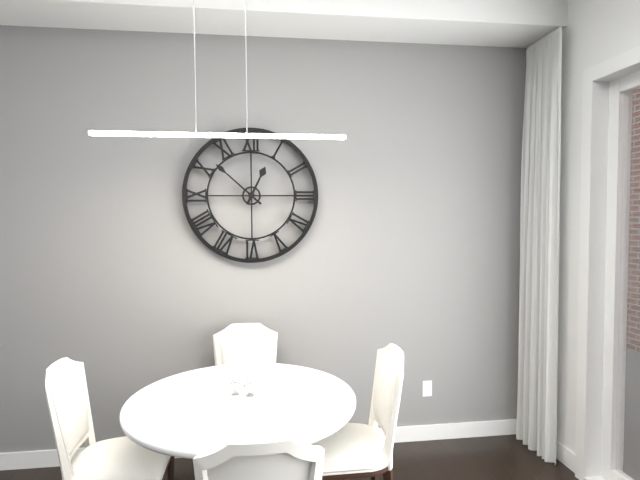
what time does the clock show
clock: 12:52
